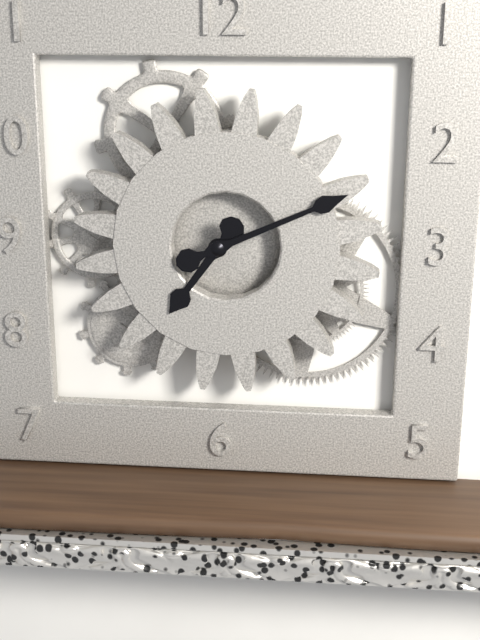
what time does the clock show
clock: 7:11
